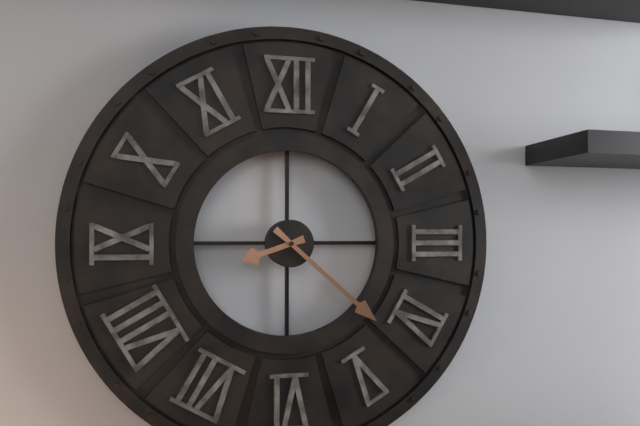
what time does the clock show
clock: 8:22
